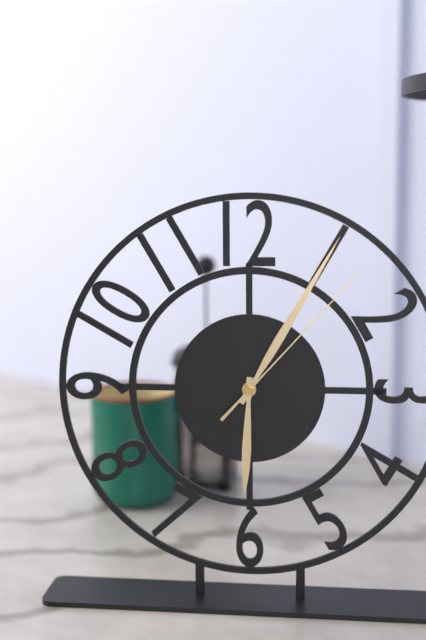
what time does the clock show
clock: 6:05:07
